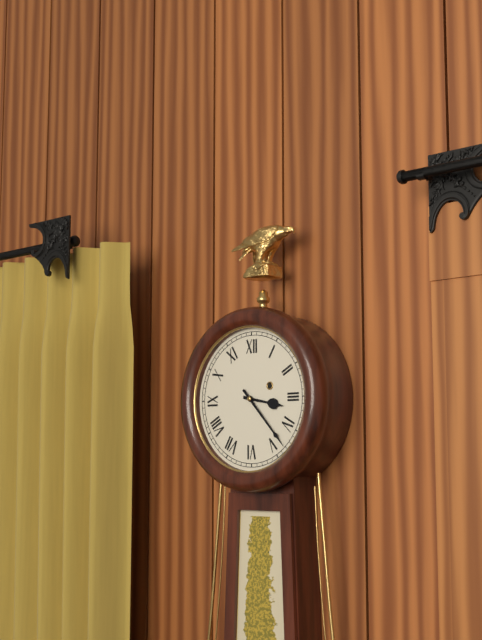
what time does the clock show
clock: 3:23
